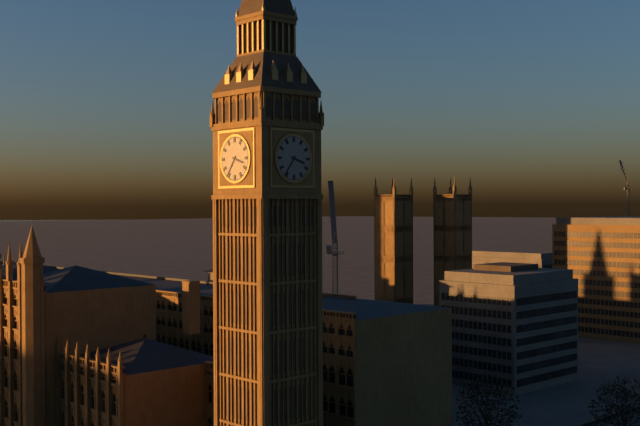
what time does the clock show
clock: 3:36
